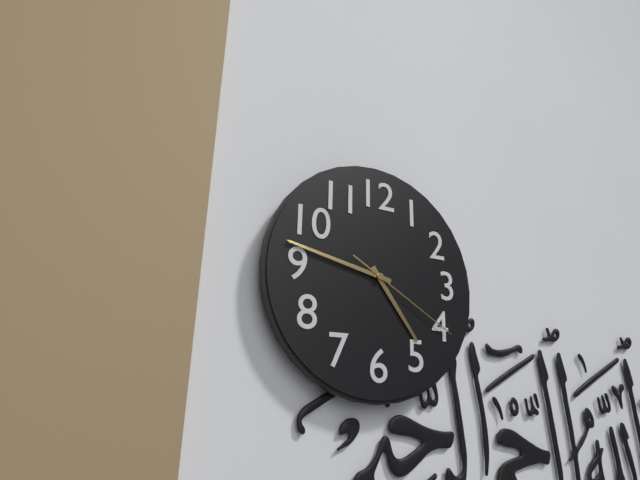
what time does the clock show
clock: 4:47:20
